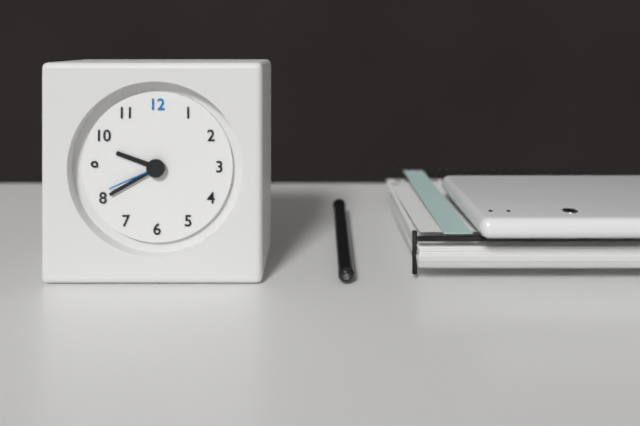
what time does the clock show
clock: 9:40:41
